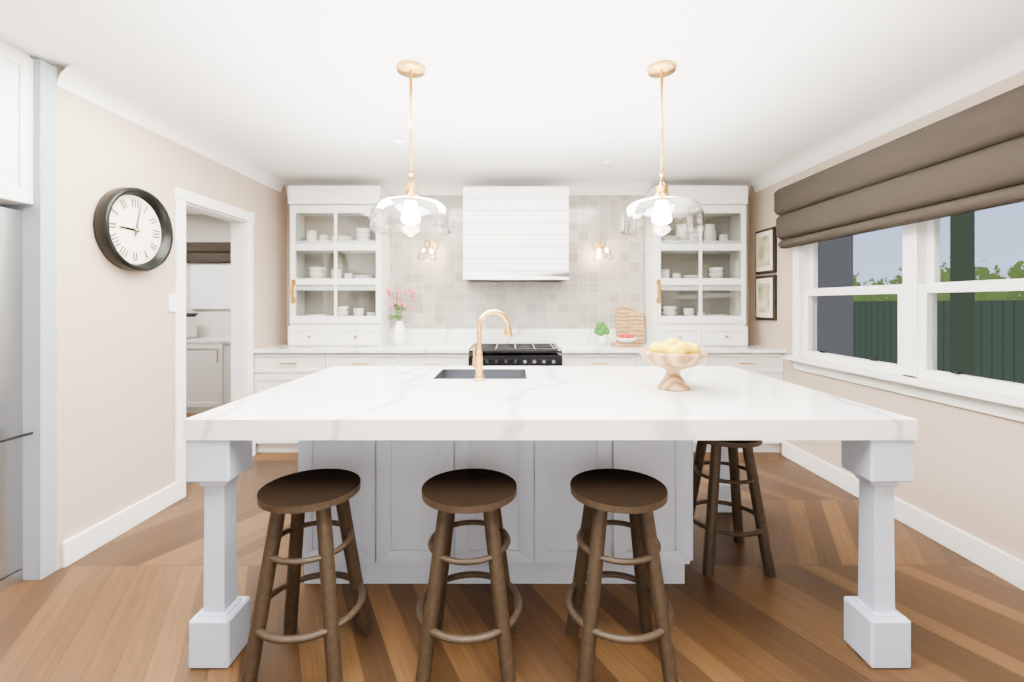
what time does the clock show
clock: 9:02
